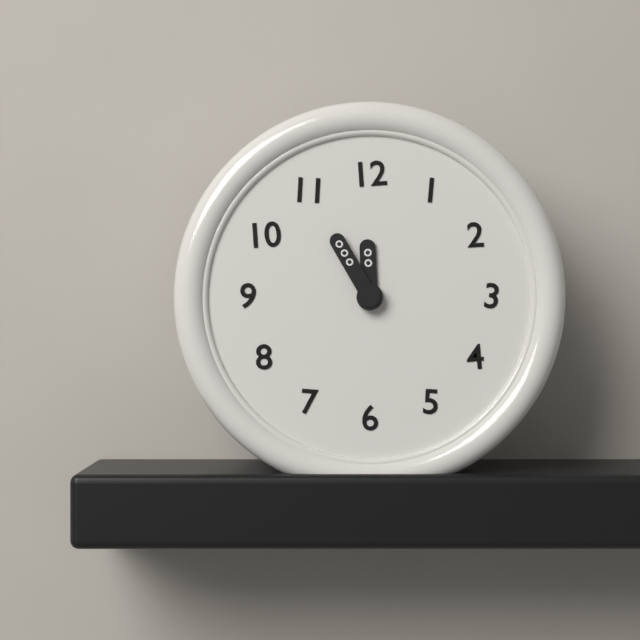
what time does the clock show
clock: 11:55
